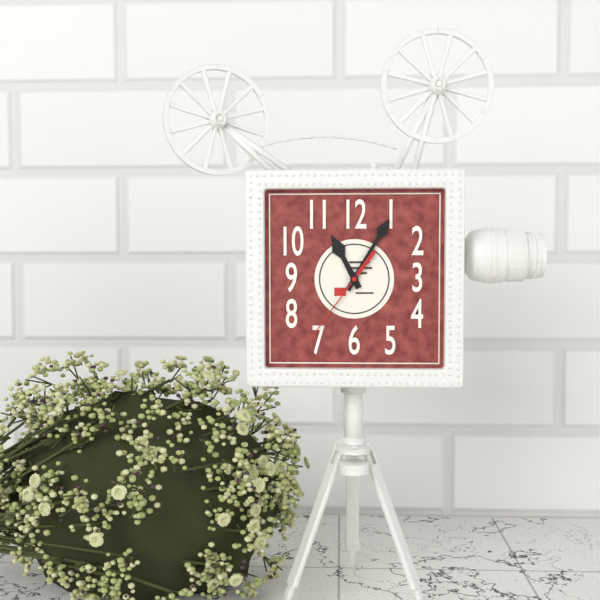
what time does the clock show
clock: 11:05:36
